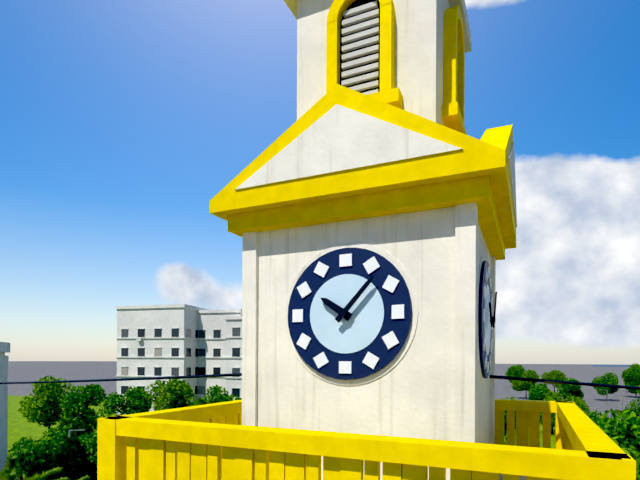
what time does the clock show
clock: 10:07
